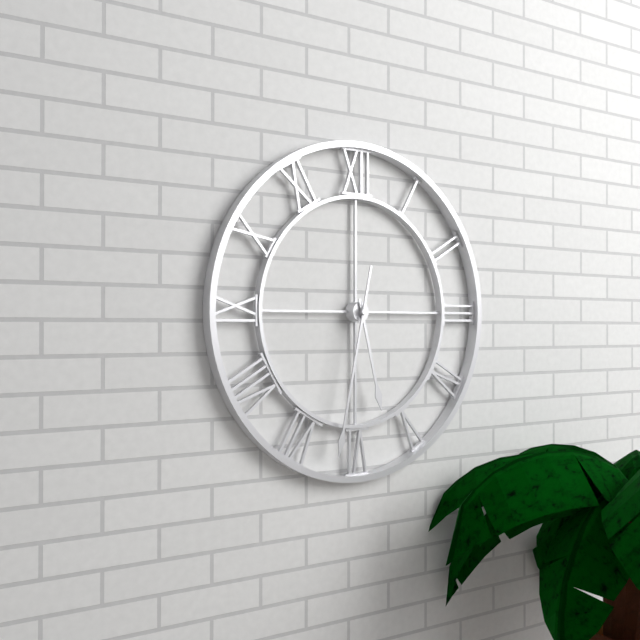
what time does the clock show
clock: 5:32
